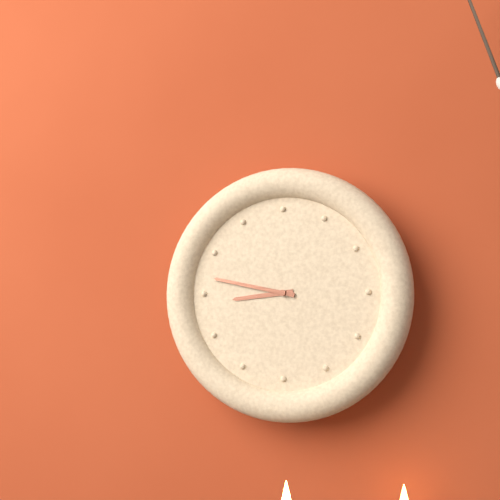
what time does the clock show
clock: 8:47
